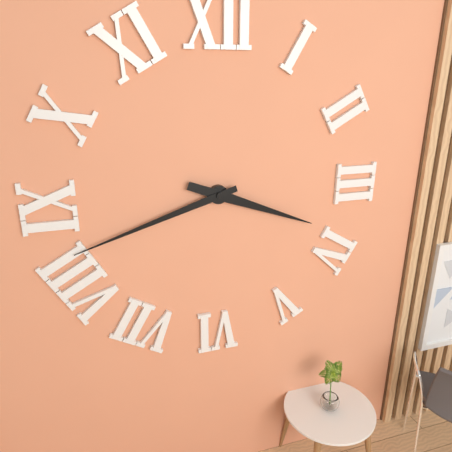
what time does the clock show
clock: 3:42
